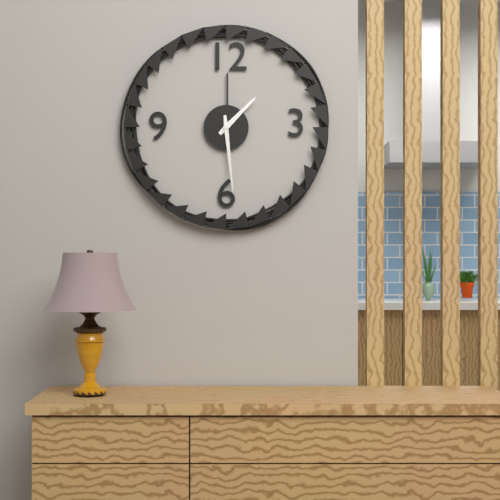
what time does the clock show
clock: 1:29
